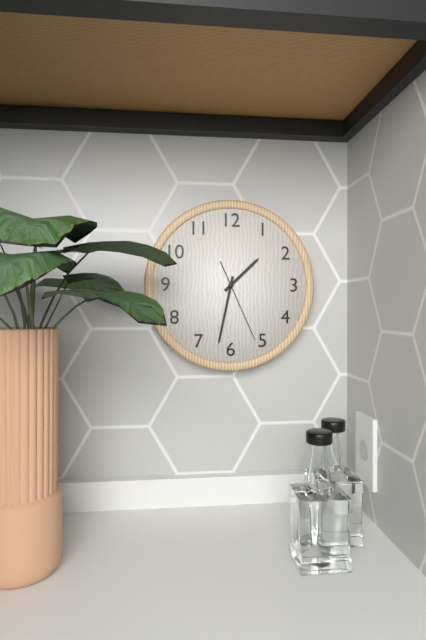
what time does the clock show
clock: 1:32:26
